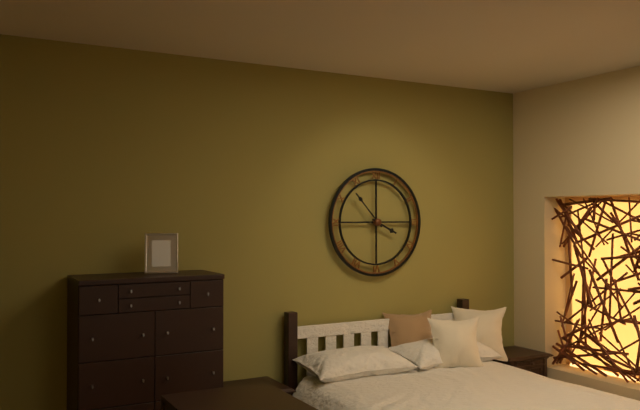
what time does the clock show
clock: 3:53
